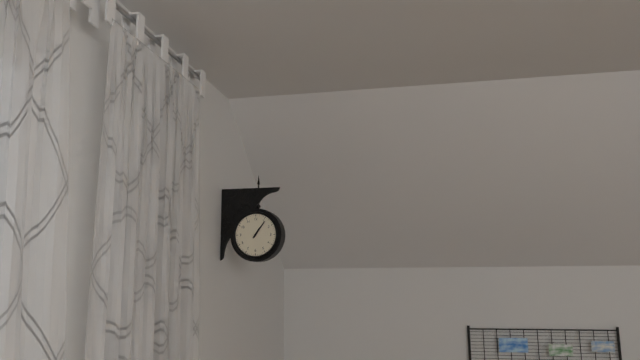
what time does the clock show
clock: 1:06
